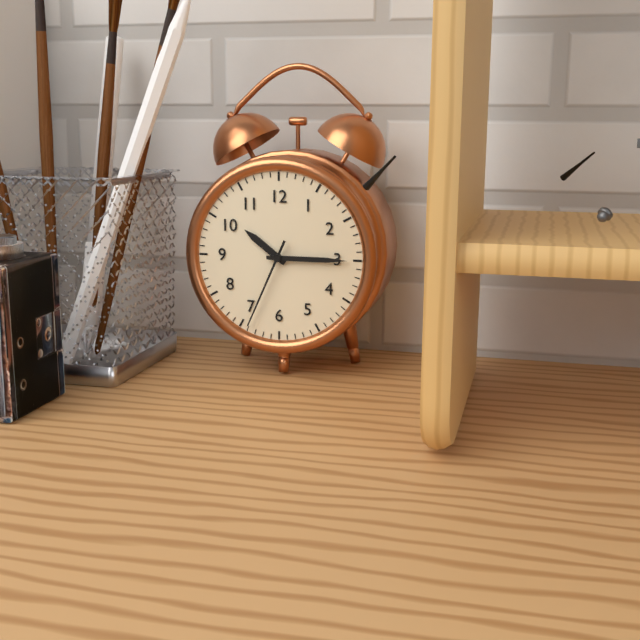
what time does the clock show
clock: 10:15:34
